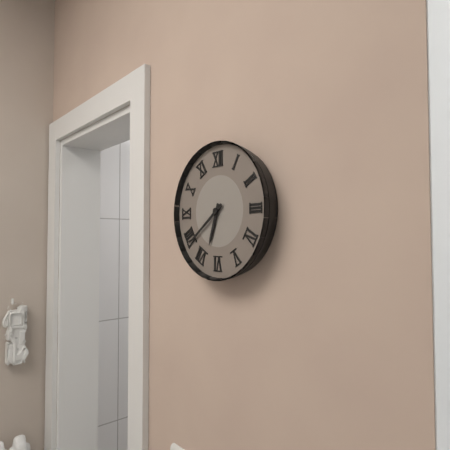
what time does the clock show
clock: 6:39
